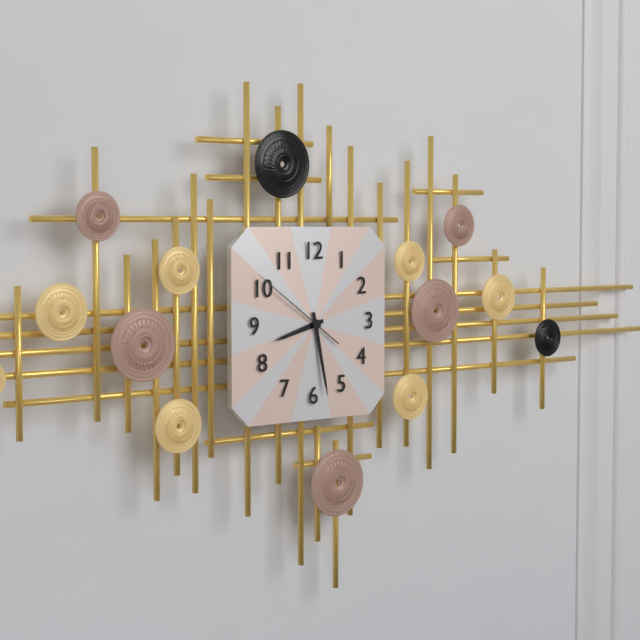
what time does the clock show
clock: 8:28:51
